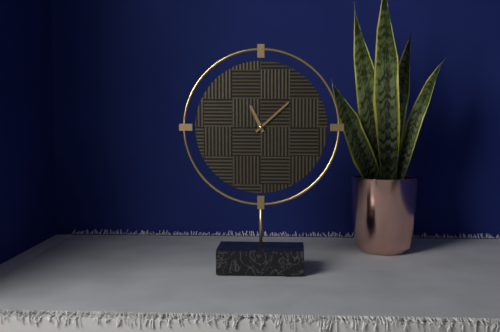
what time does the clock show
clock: 11:08
